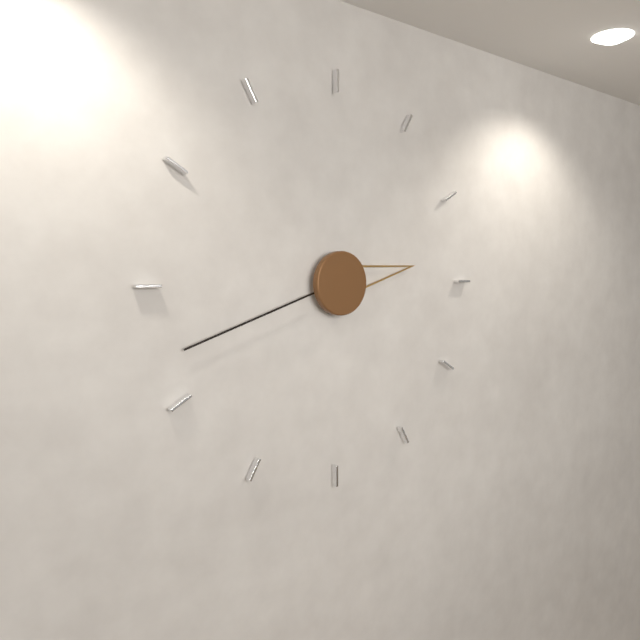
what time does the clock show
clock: 2:42
